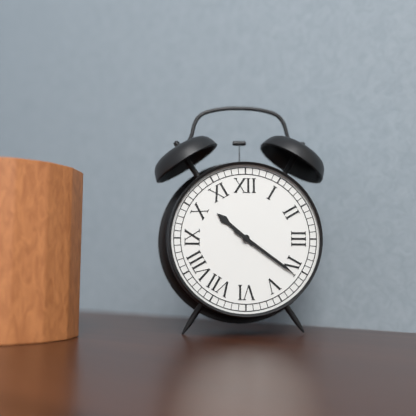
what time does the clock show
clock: 10:21
